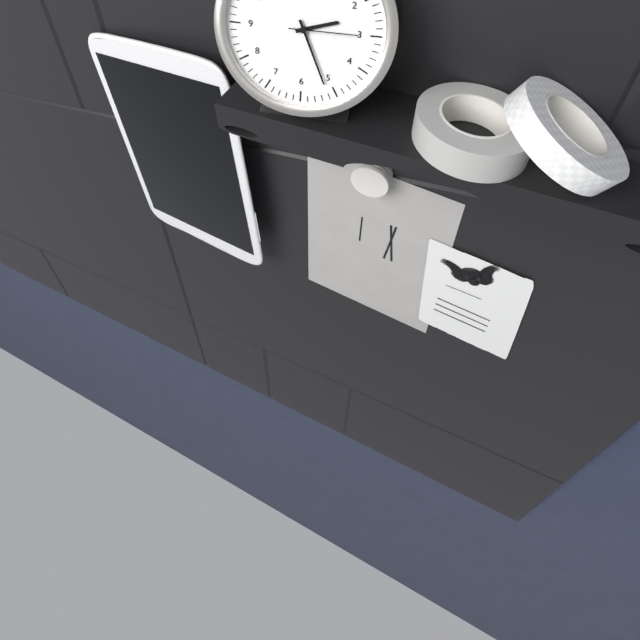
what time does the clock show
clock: 2:26:15
